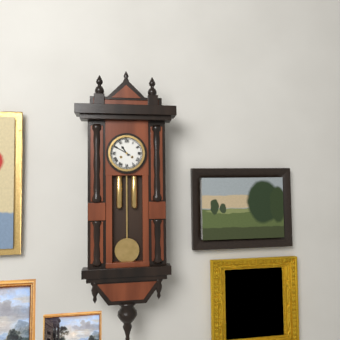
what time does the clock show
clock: 10:50
